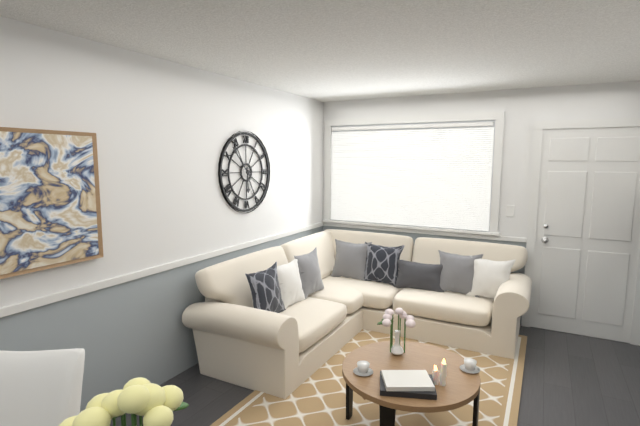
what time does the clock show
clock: 5:53
